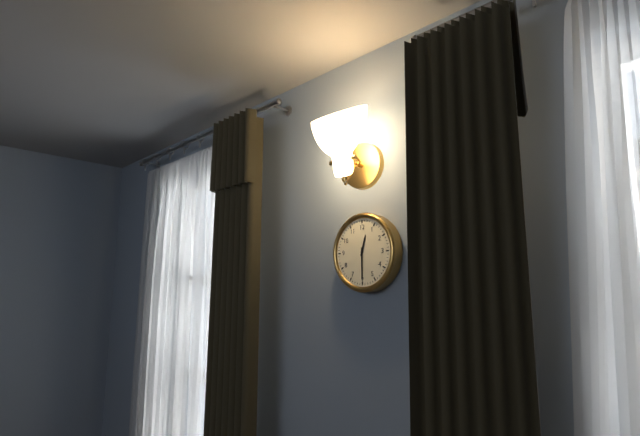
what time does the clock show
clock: 12:30
